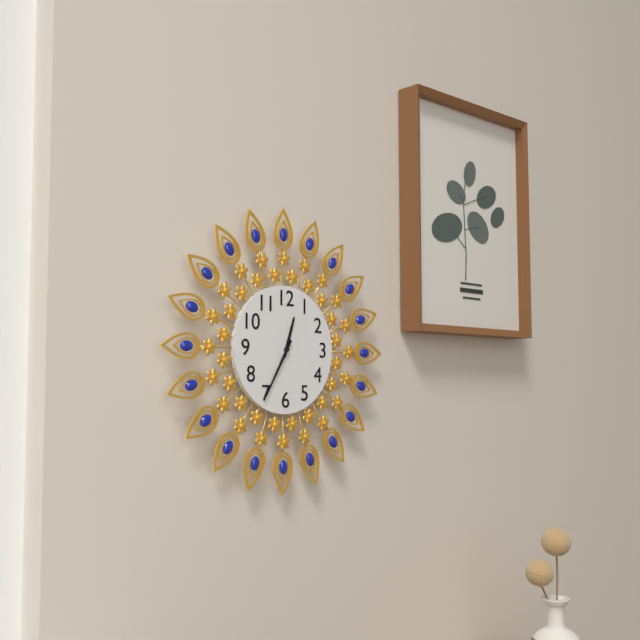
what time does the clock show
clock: 12:35
